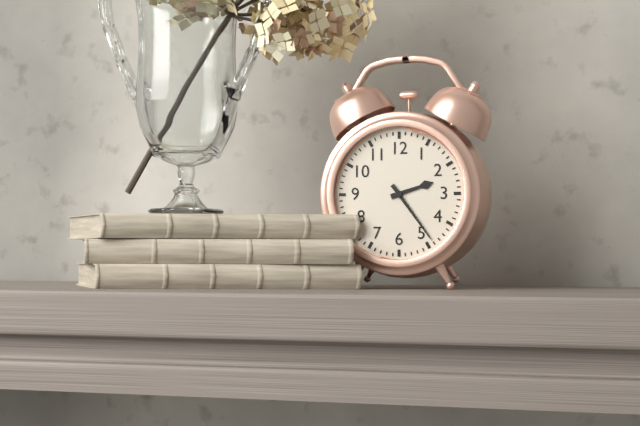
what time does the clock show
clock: 2:24
